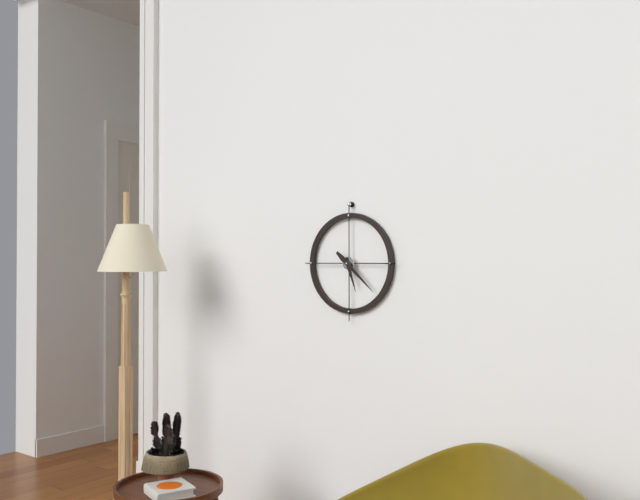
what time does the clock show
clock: 5:22
